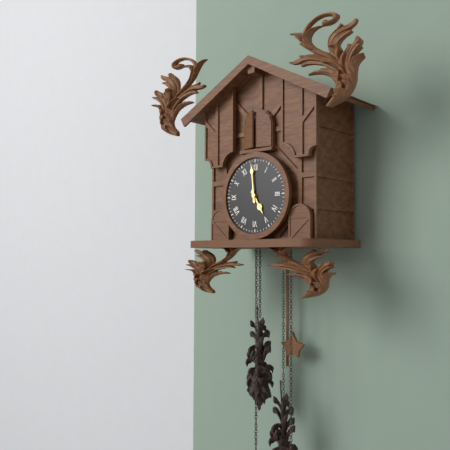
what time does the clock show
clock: 4:59
